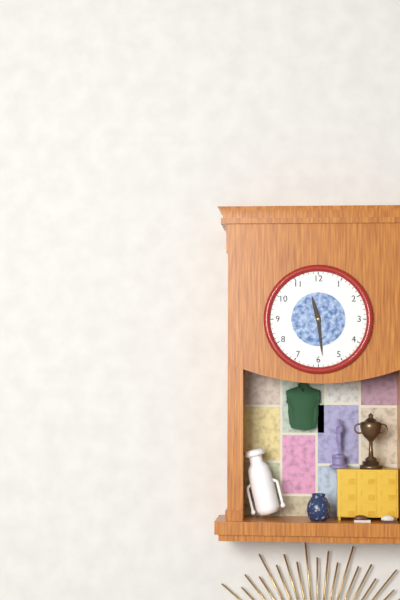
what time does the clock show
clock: 11:29
